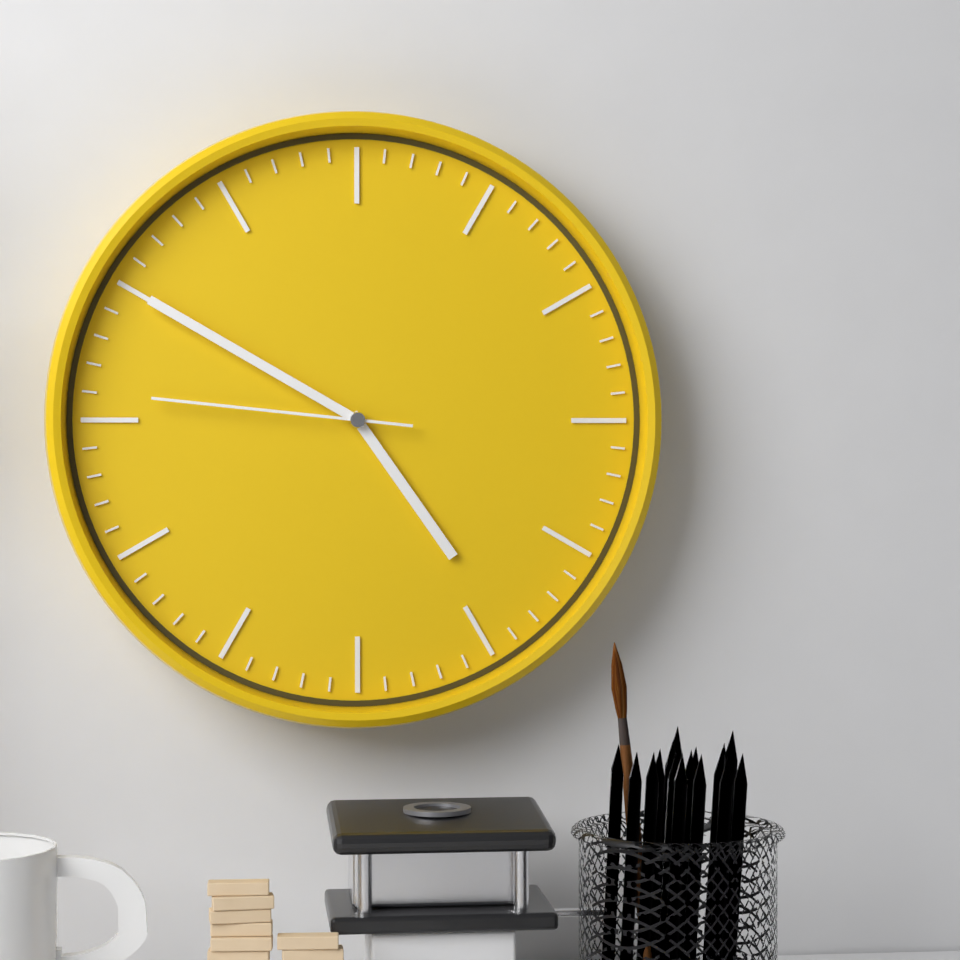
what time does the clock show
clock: 4:50:46
